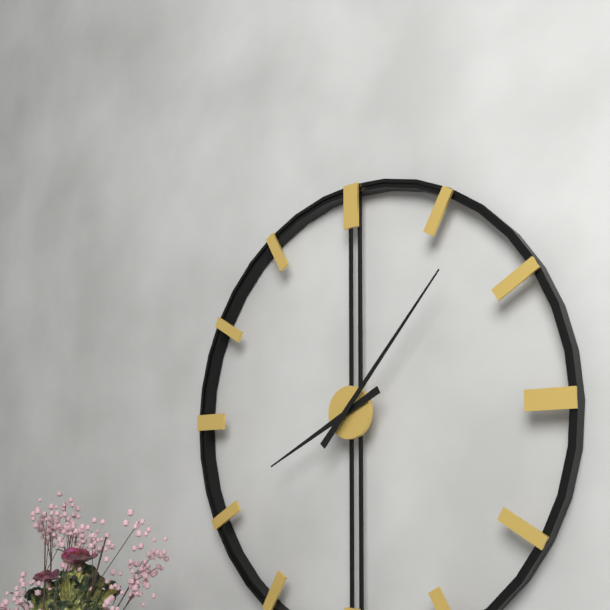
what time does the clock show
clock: 8:07
